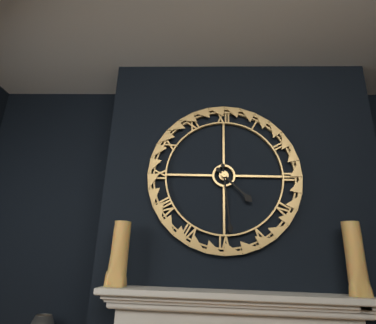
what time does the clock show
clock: 4:29
